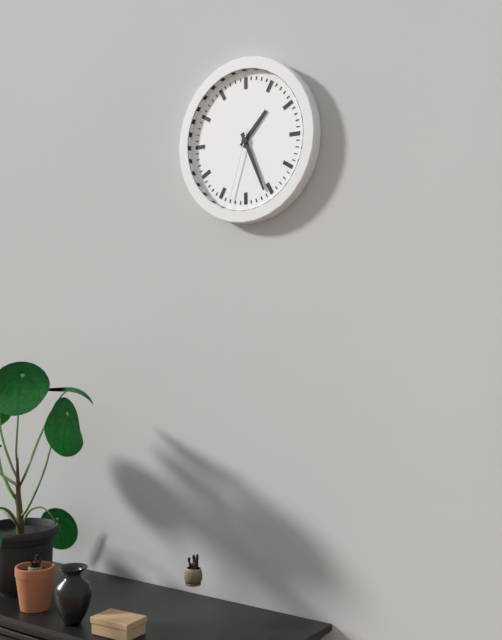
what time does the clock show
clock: 1:26:33
